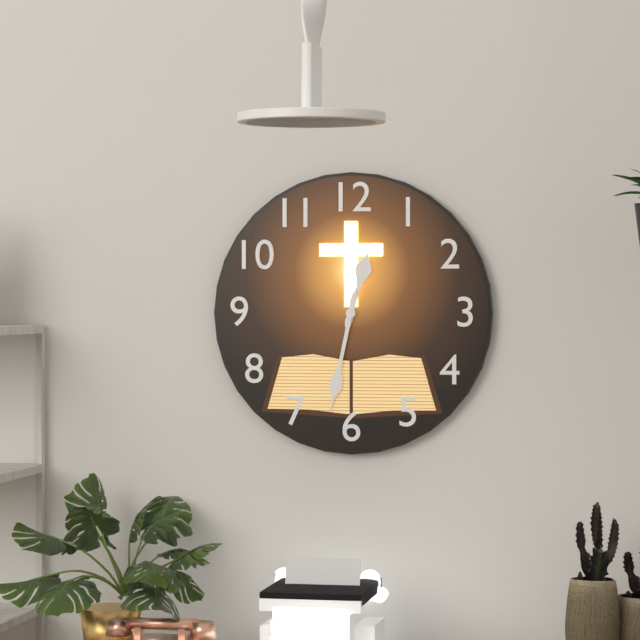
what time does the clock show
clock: 12:32
